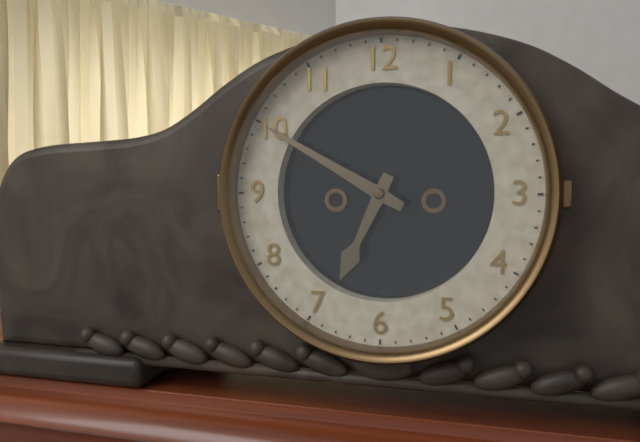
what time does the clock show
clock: 6:50
